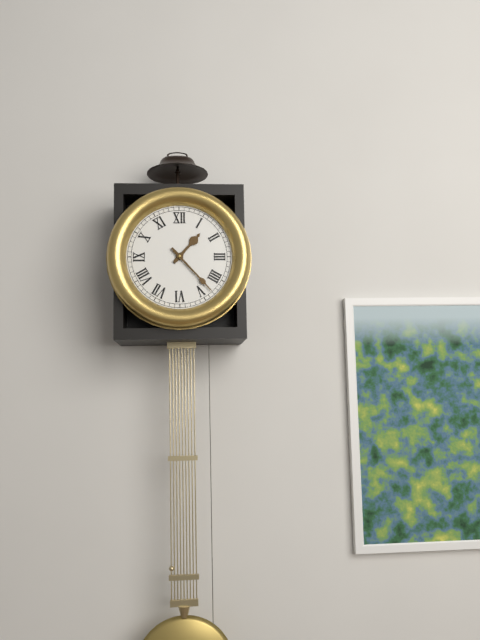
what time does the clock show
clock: 1:23
